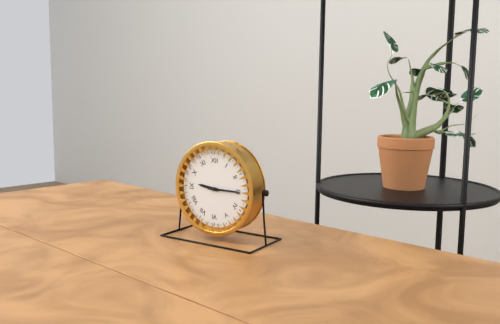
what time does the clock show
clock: 9:15
